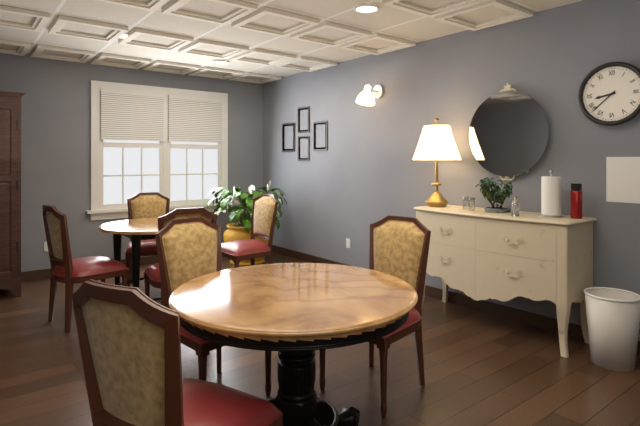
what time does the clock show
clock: 8:38
